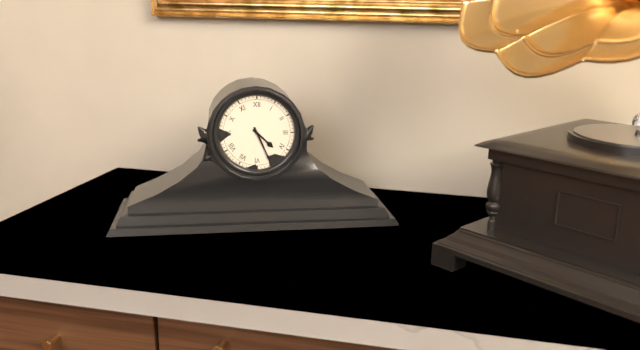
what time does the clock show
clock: 4:26
